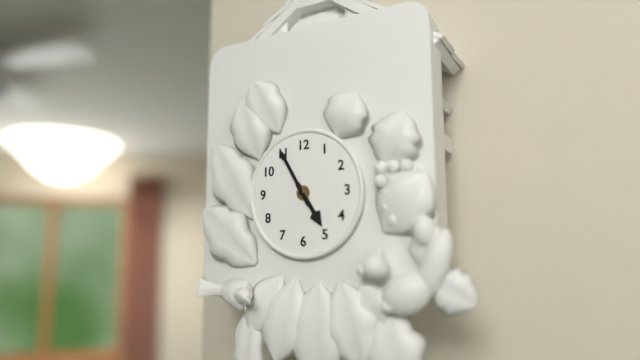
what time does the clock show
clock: 4:55
